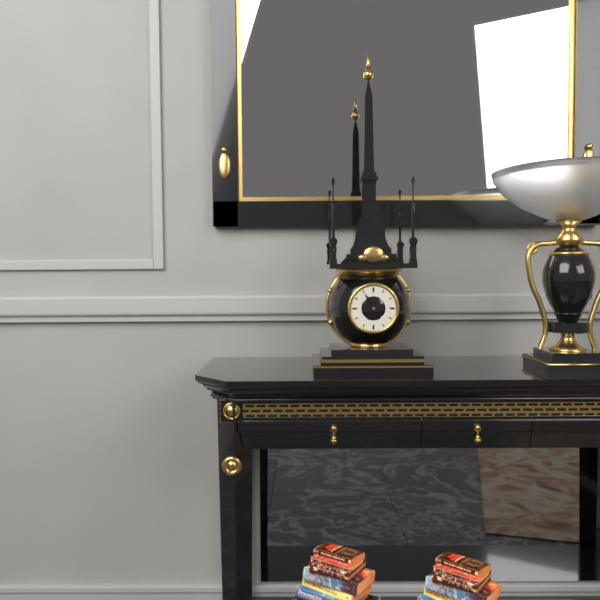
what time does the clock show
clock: 6:55
